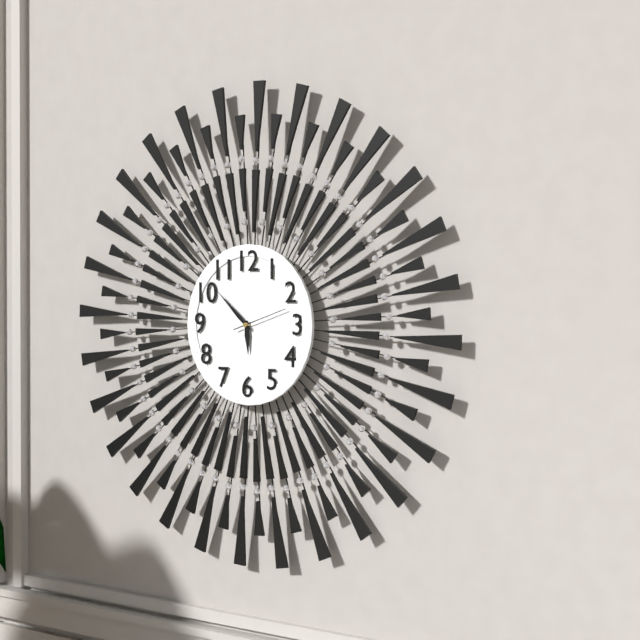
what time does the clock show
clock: 5:52
